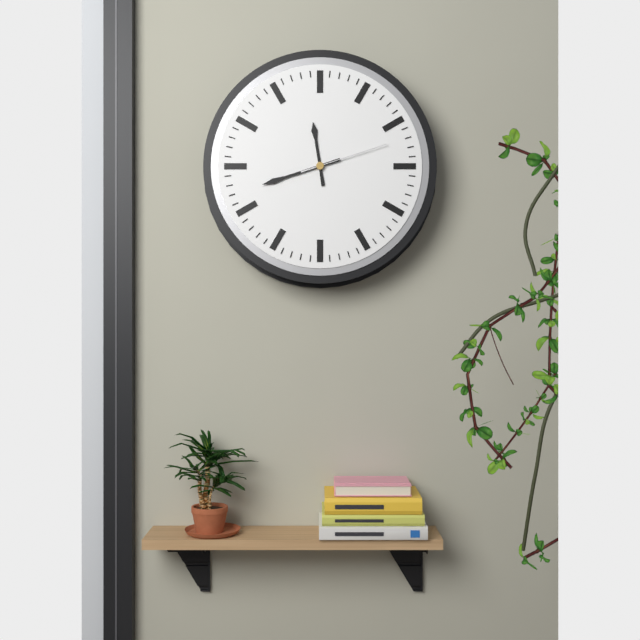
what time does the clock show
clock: 11:42:12
